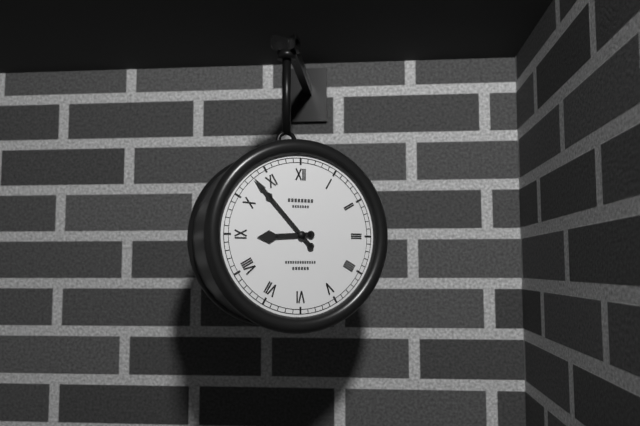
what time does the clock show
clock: 8:53
